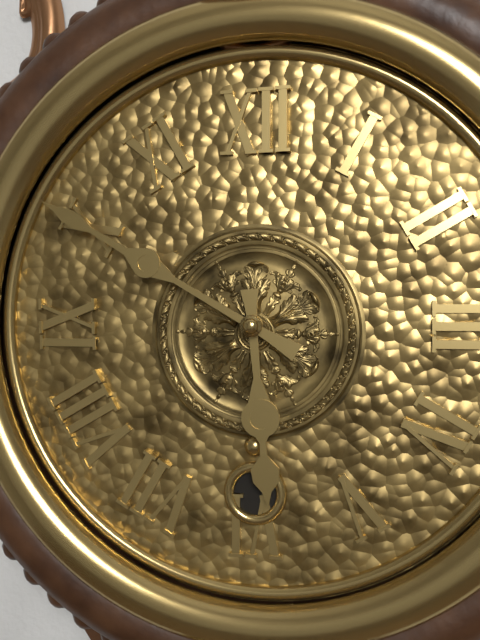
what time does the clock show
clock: 5:50
